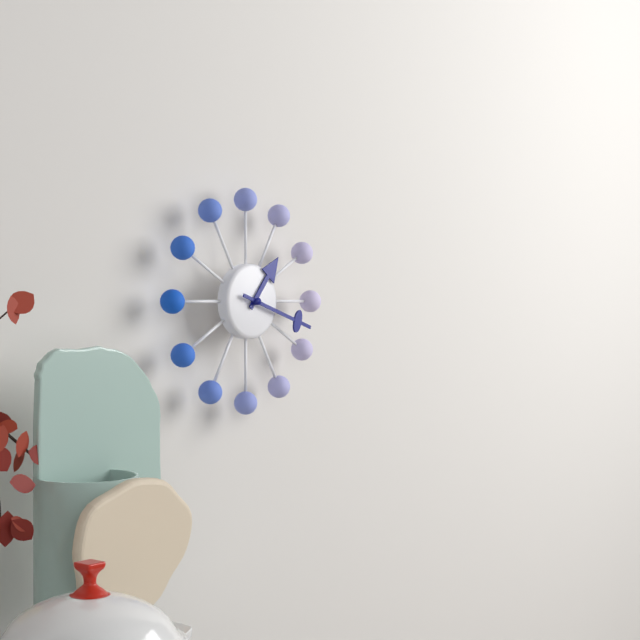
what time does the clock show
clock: 1:18
